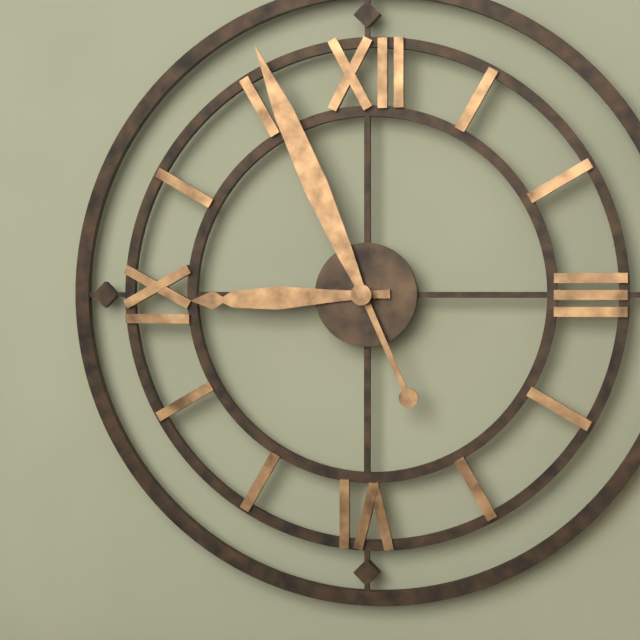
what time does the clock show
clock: 8:56
